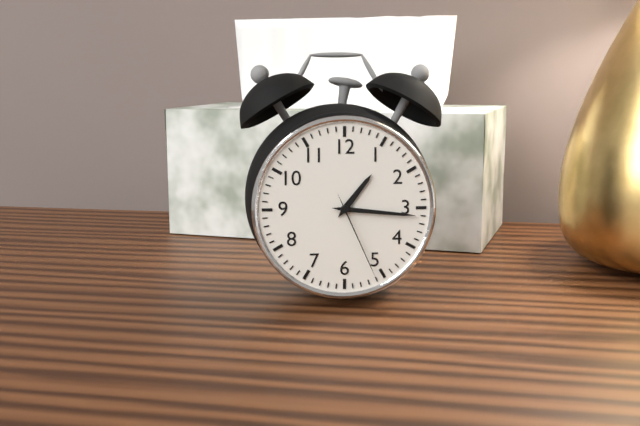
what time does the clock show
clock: 1:16:26
